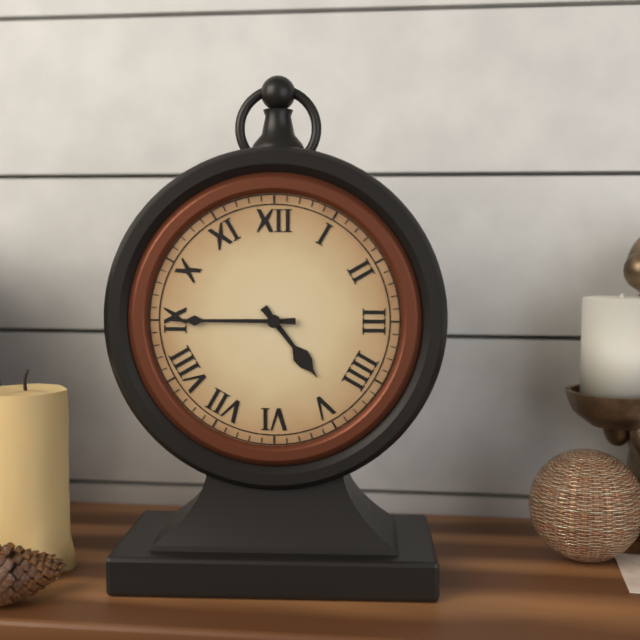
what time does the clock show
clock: 4:45
